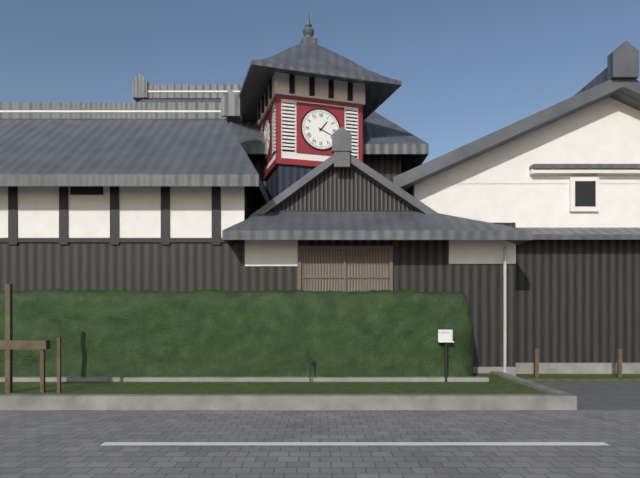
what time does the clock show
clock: 1:19
